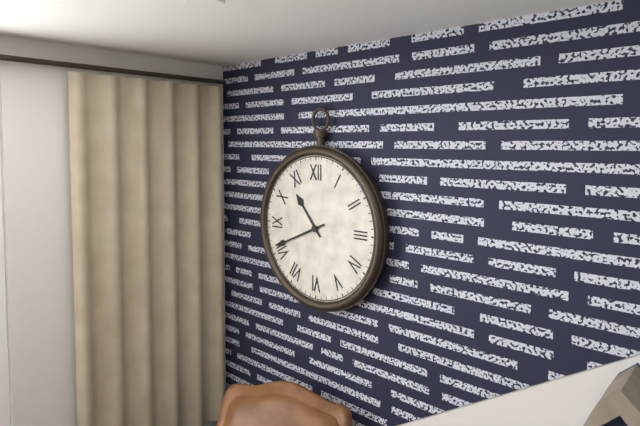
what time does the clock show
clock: 10:41
